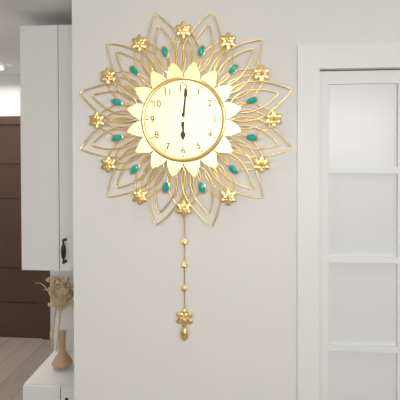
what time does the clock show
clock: 6:01
